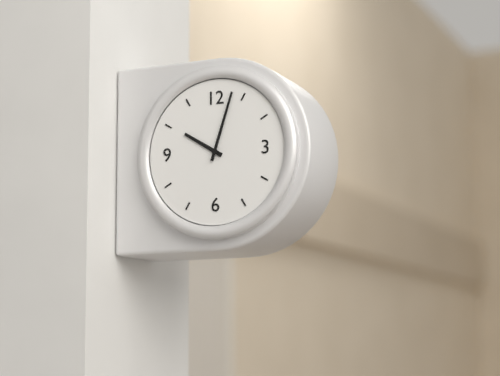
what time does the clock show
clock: 10:03
